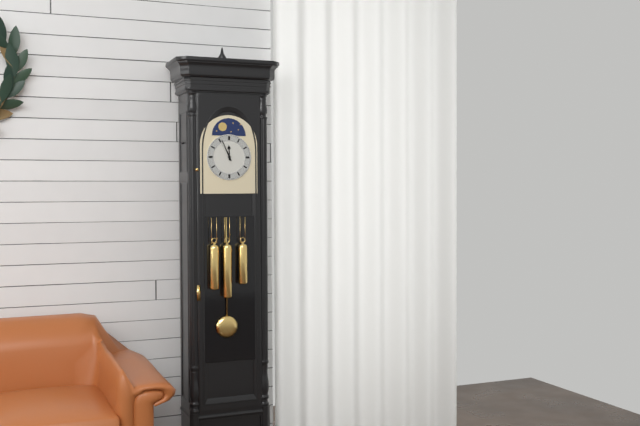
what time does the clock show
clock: 11:56
